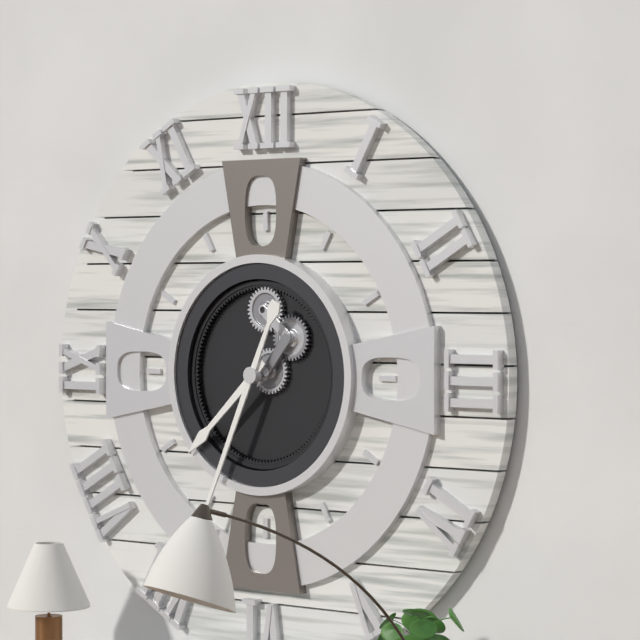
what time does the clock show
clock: 7:34
